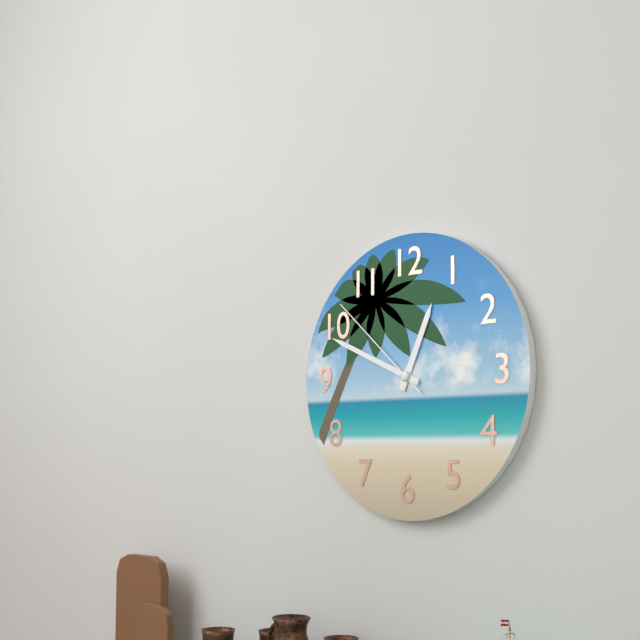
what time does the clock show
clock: 12:49:52
